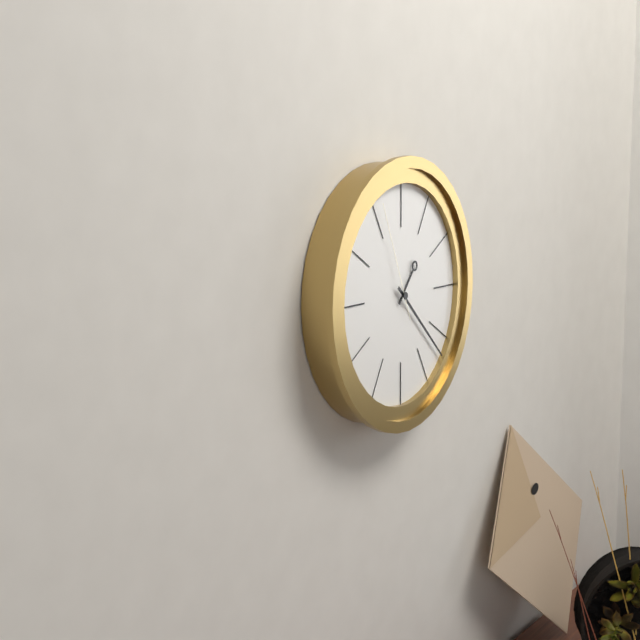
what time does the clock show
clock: 1:22:56
